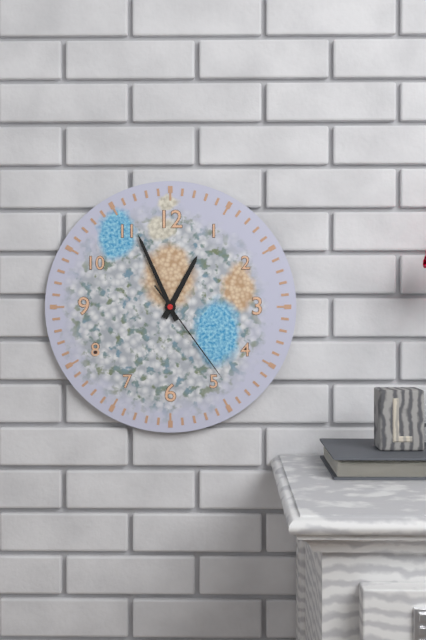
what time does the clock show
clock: 12:56:24
